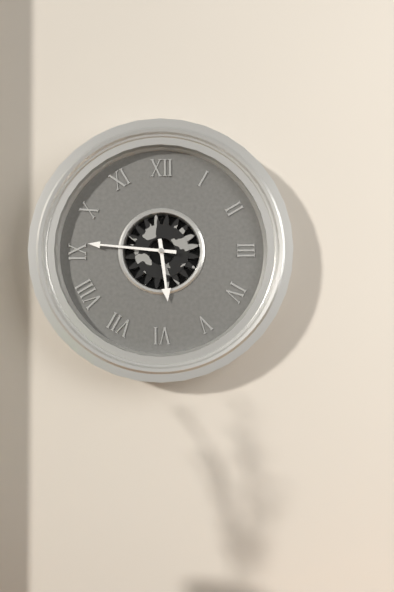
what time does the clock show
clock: 5:46
